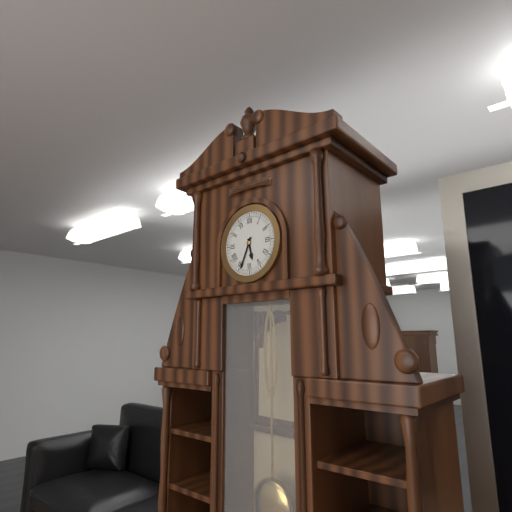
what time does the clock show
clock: 5:34
